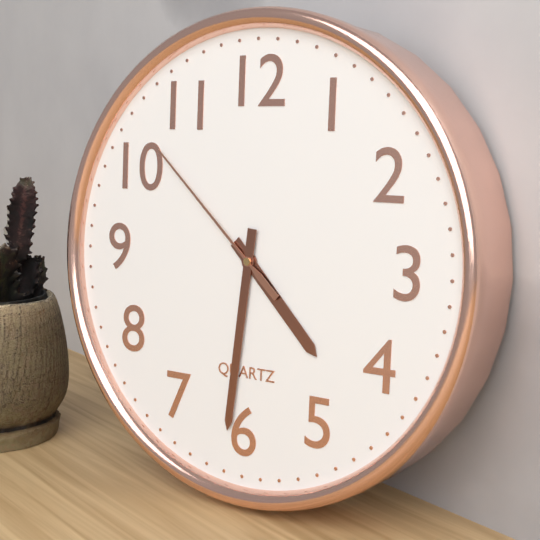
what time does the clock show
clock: 4:31:52
